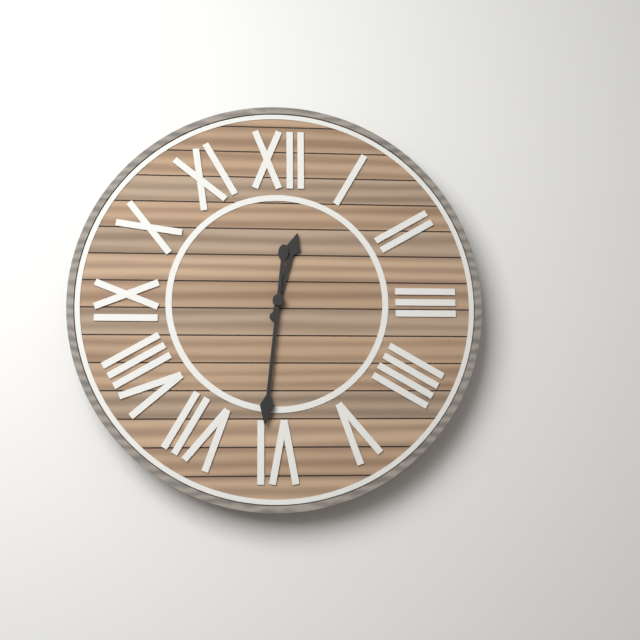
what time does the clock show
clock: 12:31
